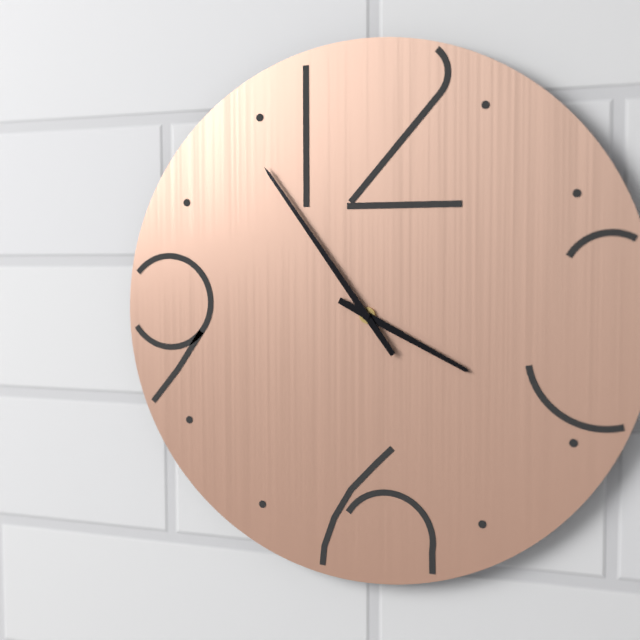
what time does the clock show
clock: 3:54
